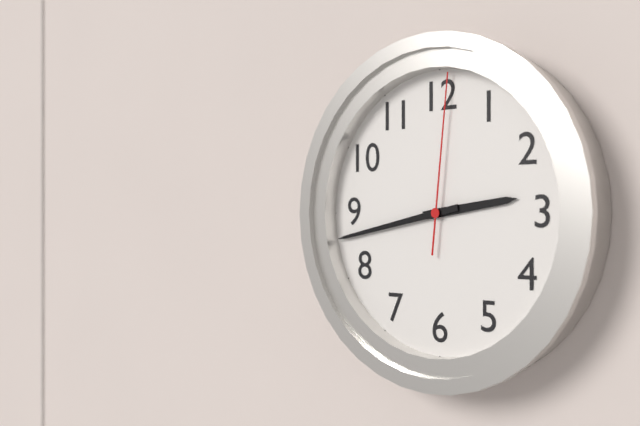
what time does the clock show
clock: 2:43:01
